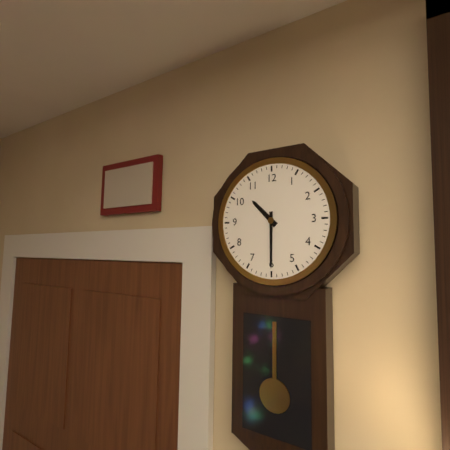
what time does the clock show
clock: 10:30
